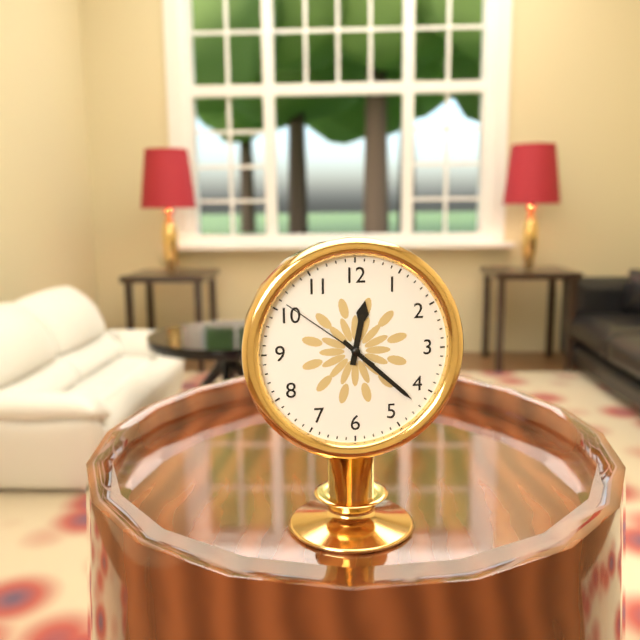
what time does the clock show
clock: 12:22:51
